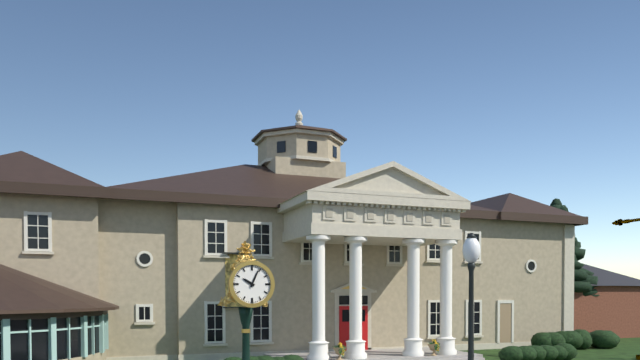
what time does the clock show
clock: 10:04
